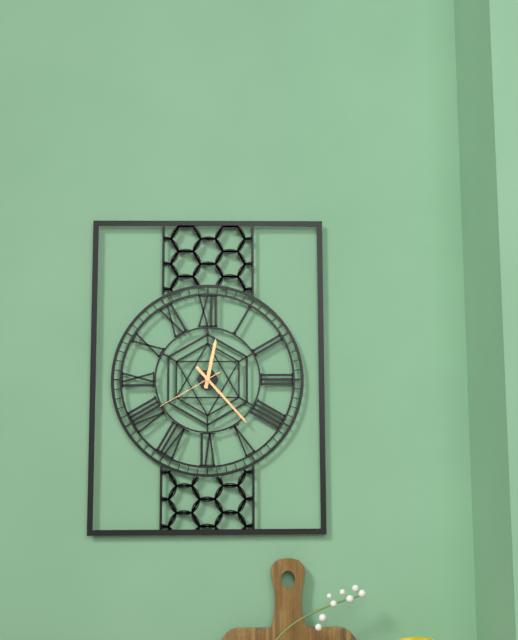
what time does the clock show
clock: 12:23:40
